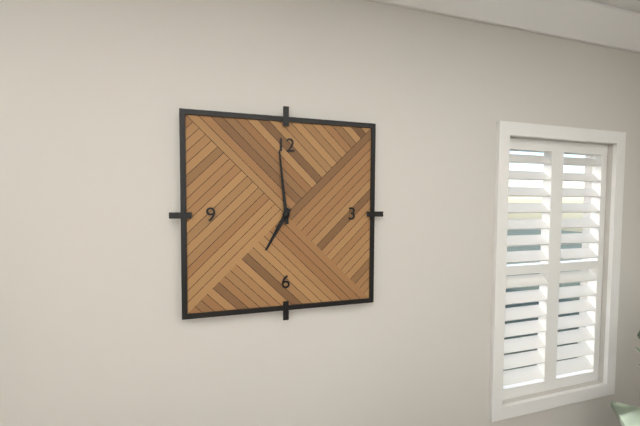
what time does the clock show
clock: 6:59
